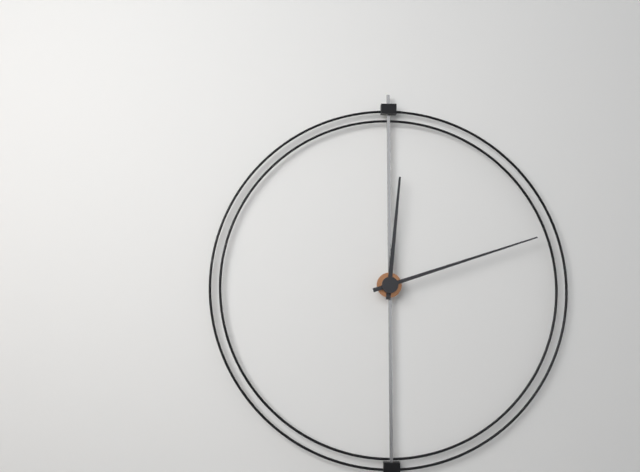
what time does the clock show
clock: 12:12
